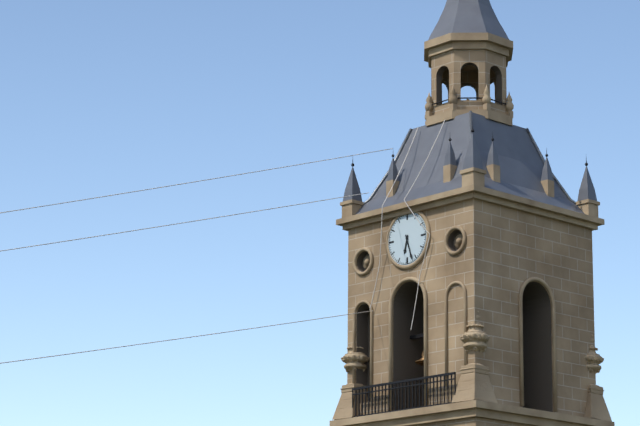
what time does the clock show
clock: 6:27
